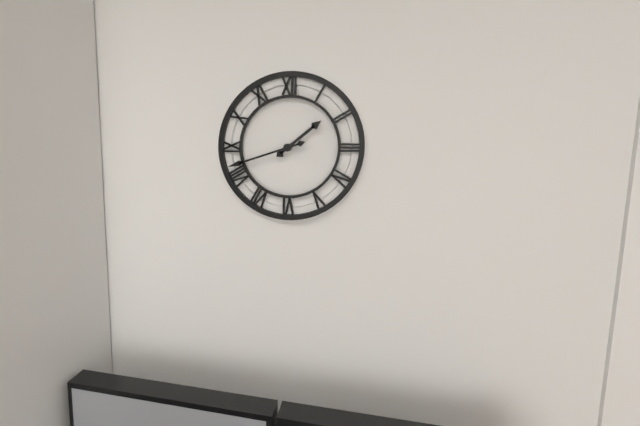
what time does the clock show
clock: 1:42
